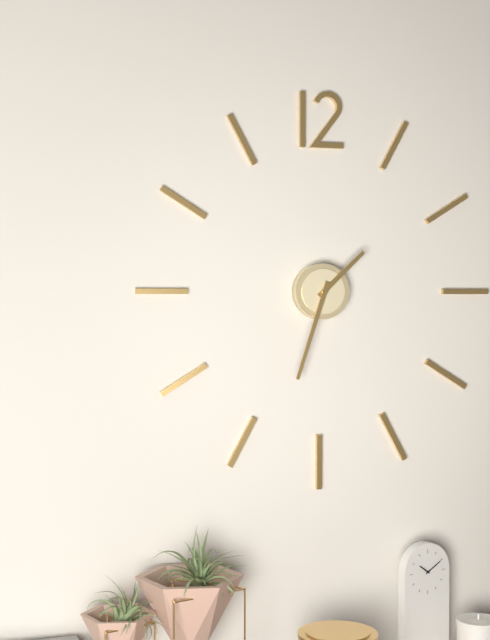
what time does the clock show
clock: 1:33
